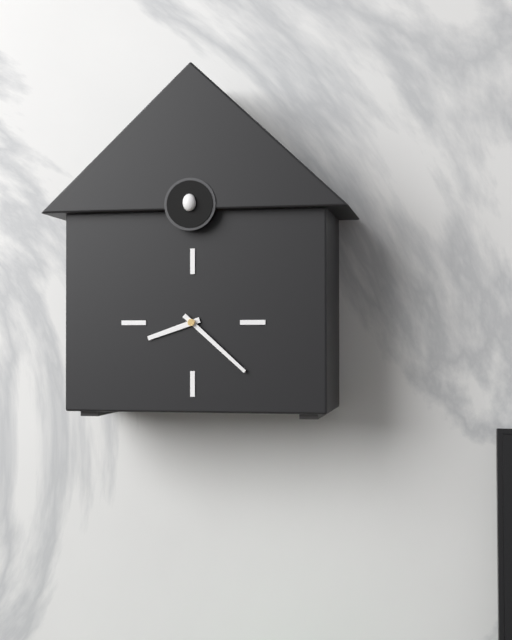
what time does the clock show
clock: 8:22
